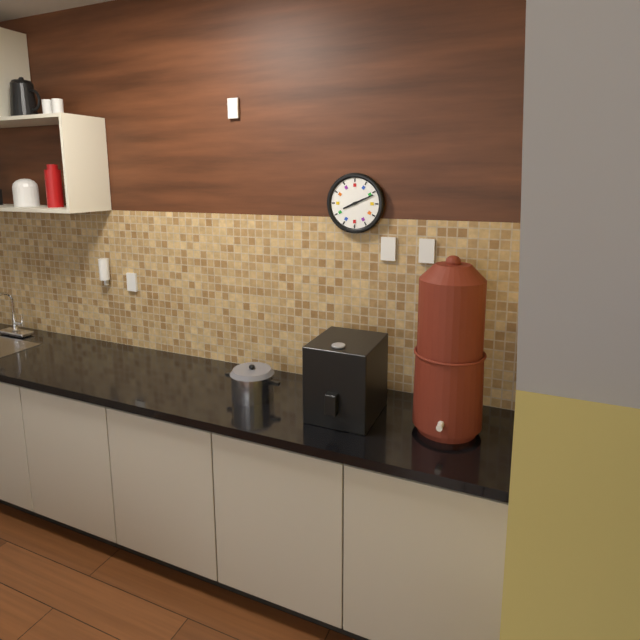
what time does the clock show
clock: 8:11
